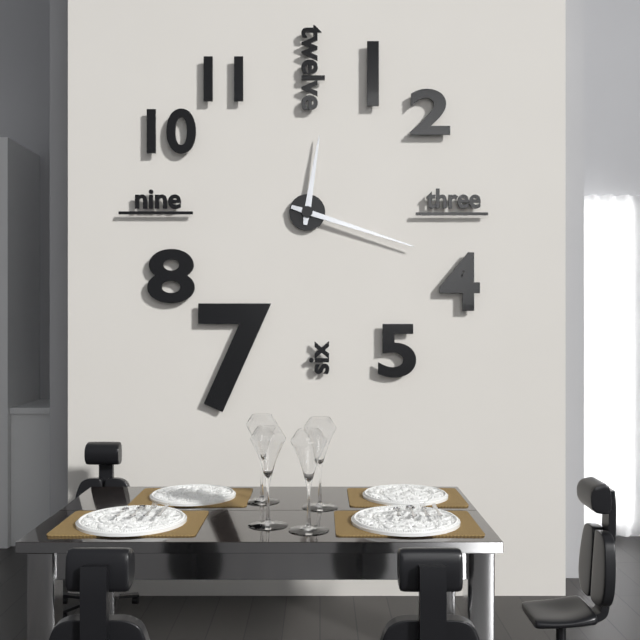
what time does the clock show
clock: 12:18
